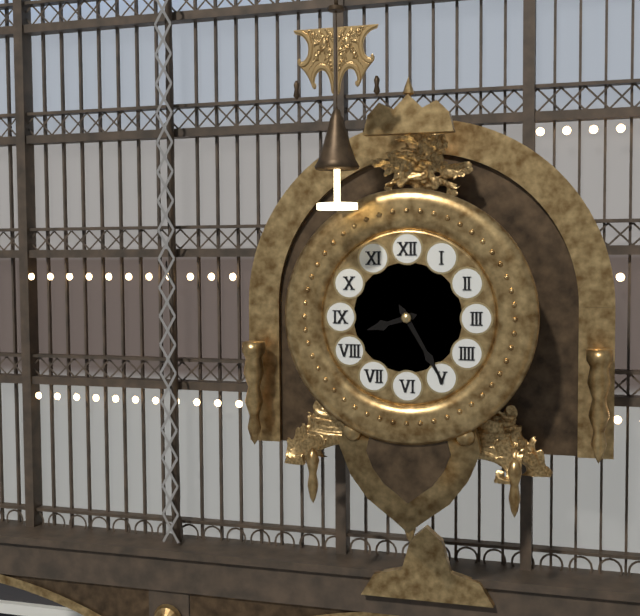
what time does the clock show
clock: 8:25
